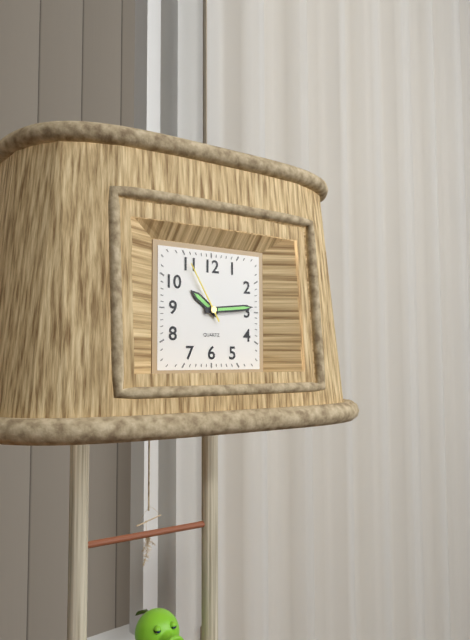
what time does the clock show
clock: 10:14:55
